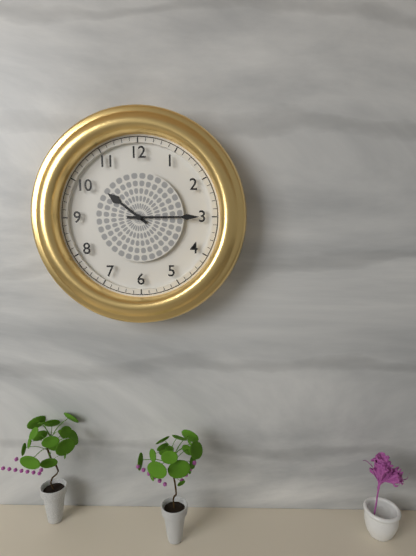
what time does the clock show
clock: 10:15
